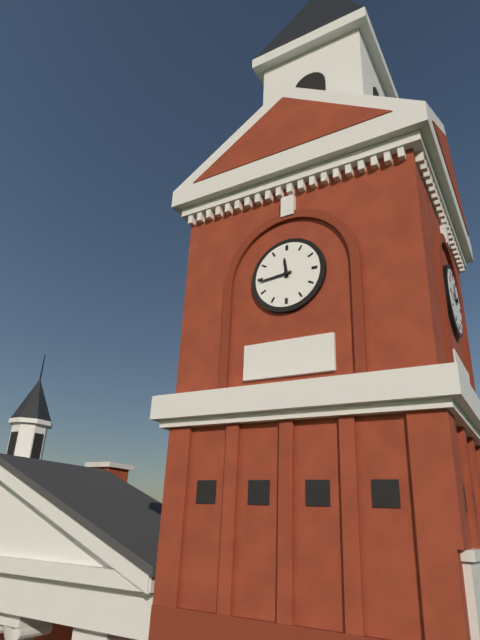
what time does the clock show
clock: 11:44
